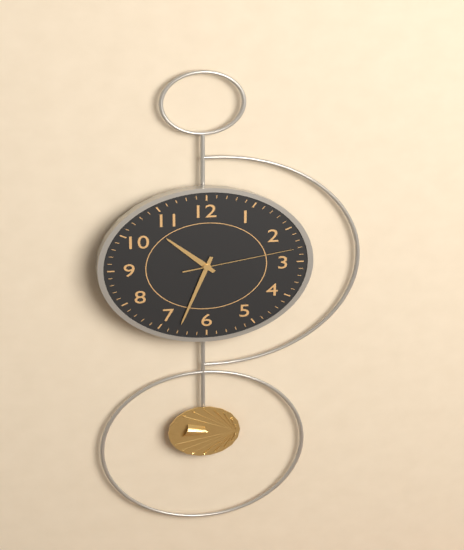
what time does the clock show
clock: 10:33:13
